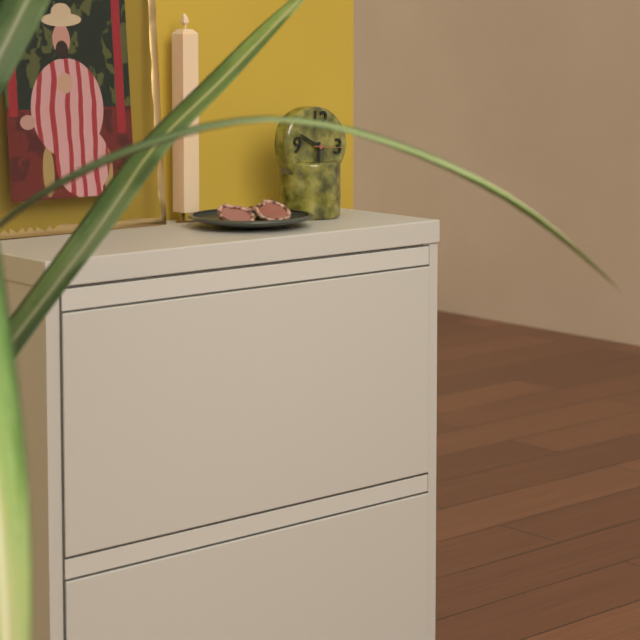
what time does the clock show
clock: 5:49
